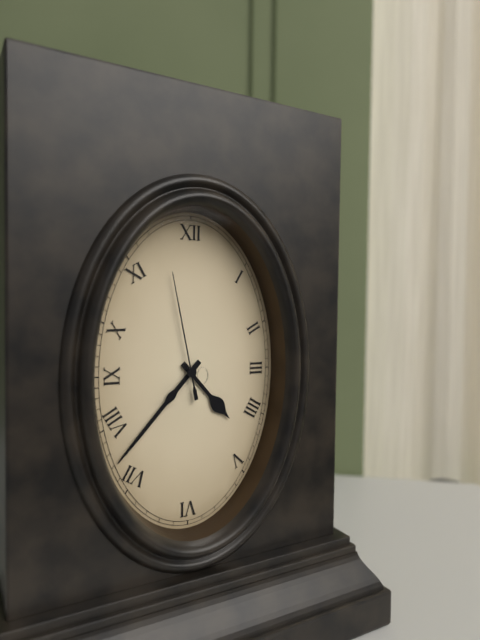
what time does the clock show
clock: 4:37:58
